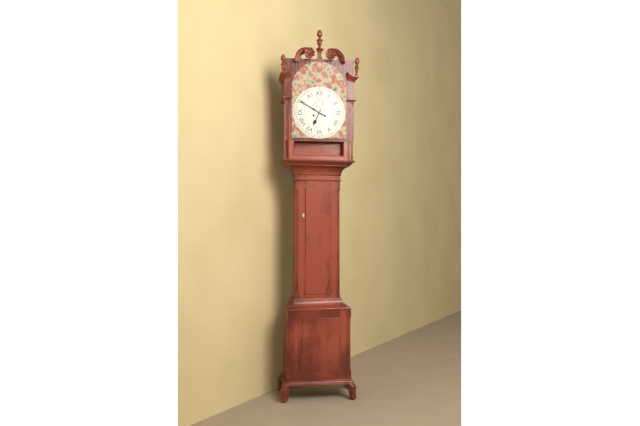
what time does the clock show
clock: 6:50
